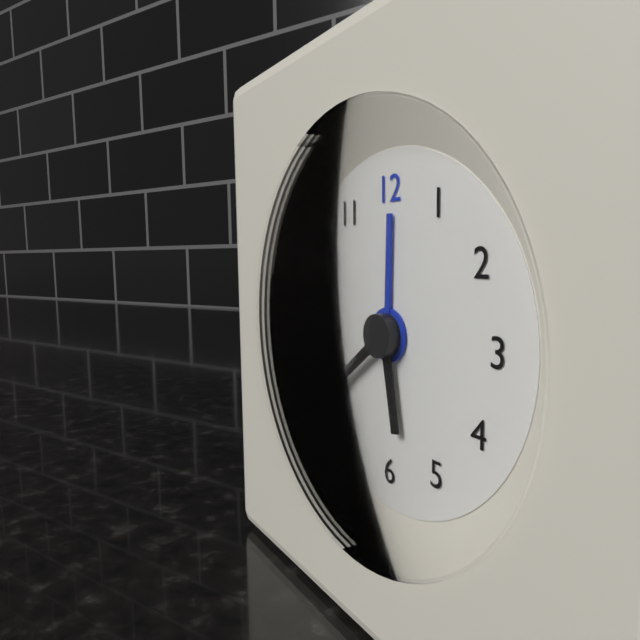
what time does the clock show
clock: 5:39
